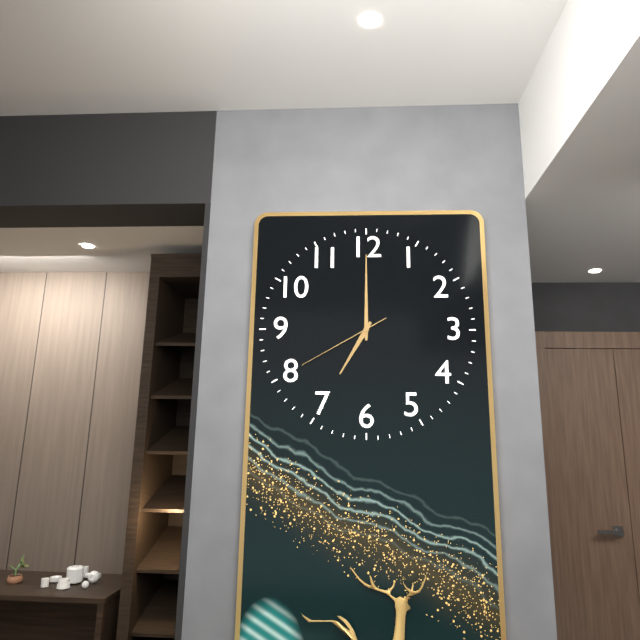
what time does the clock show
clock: 7:00:40
